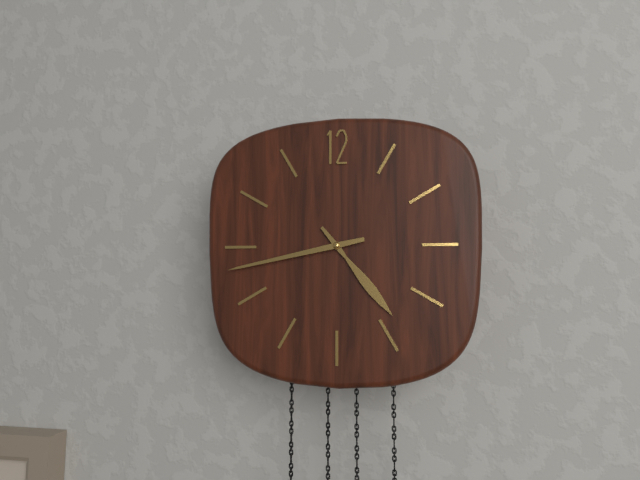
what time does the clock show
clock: 4:43
